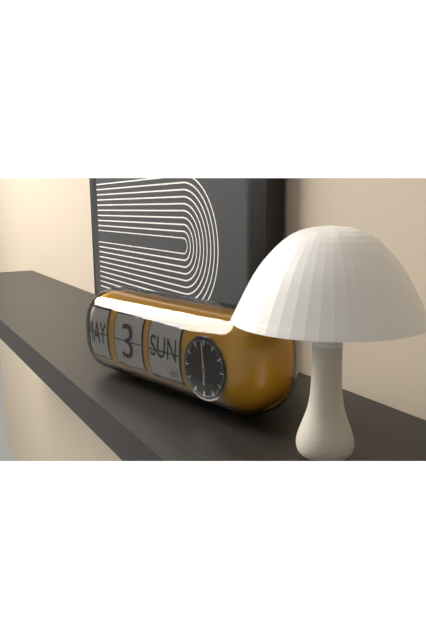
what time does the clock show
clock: 5:59:56
